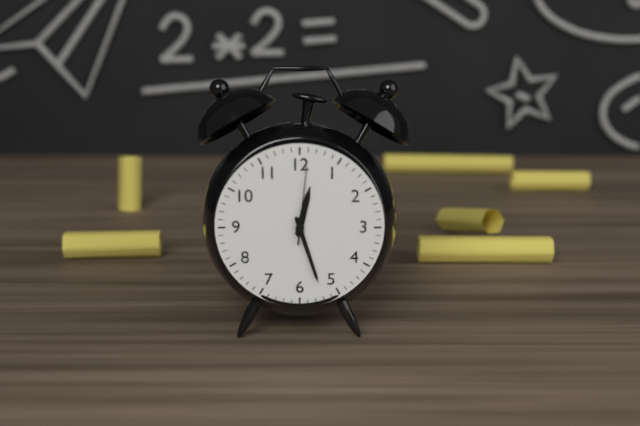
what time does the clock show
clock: 12:27:01
